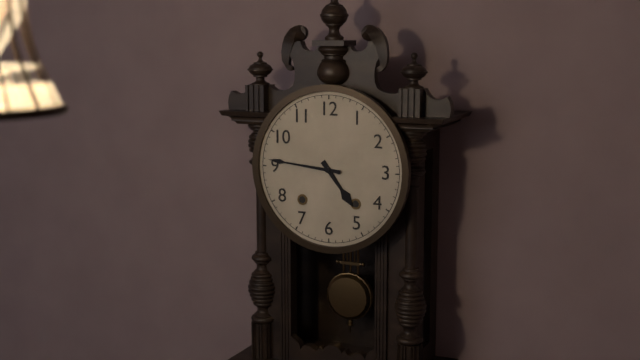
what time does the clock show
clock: 4:46
